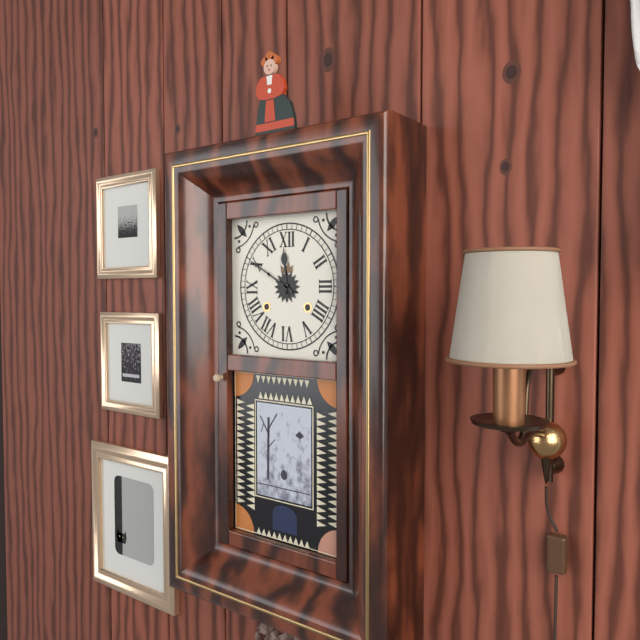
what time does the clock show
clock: 11:50
